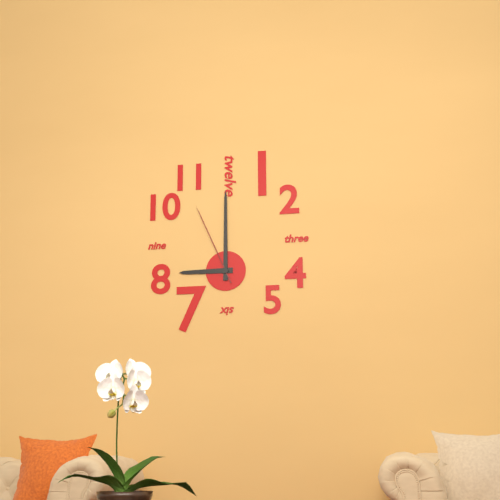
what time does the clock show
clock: 9:00:56
